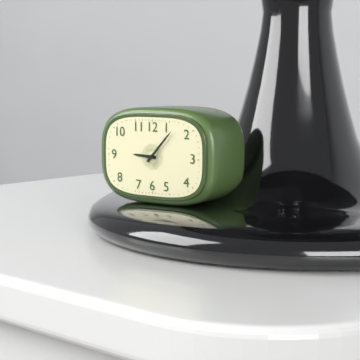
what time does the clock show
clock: 9:07
